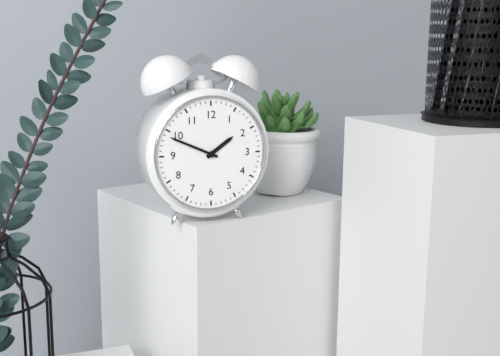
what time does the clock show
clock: 1:49
